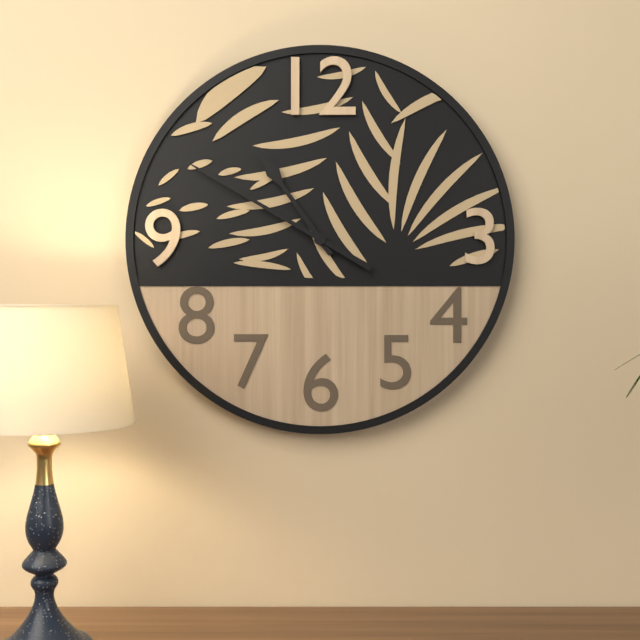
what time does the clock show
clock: 10:50
